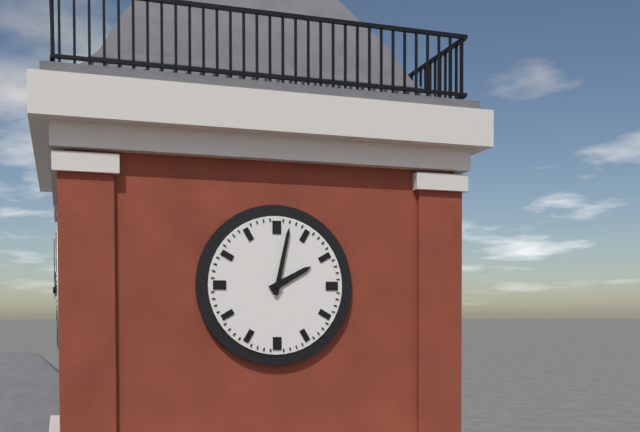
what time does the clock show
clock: 2:02
